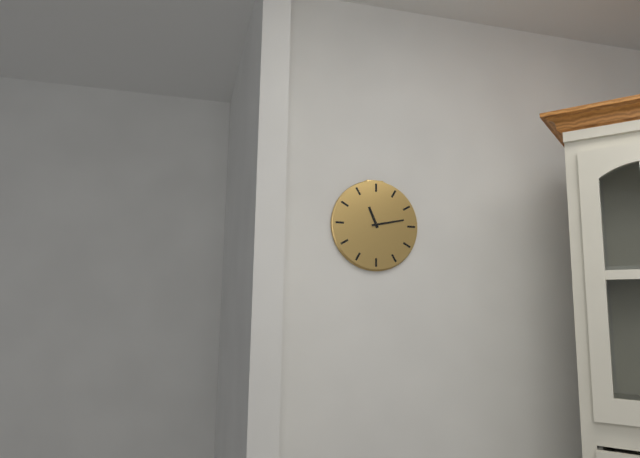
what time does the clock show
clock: 11:13
